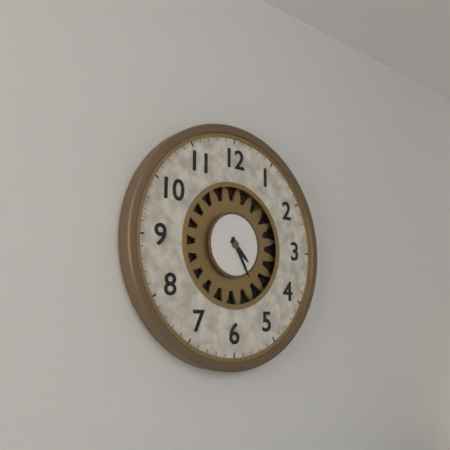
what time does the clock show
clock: 4:25
